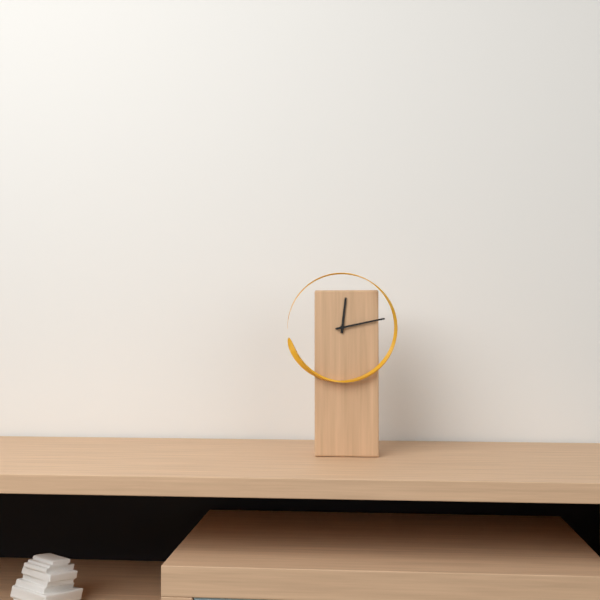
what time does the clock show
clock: 12:13
